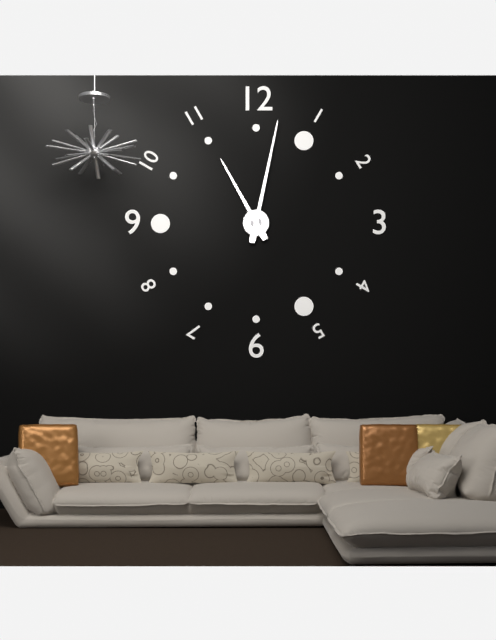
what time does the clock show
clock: 11:02
